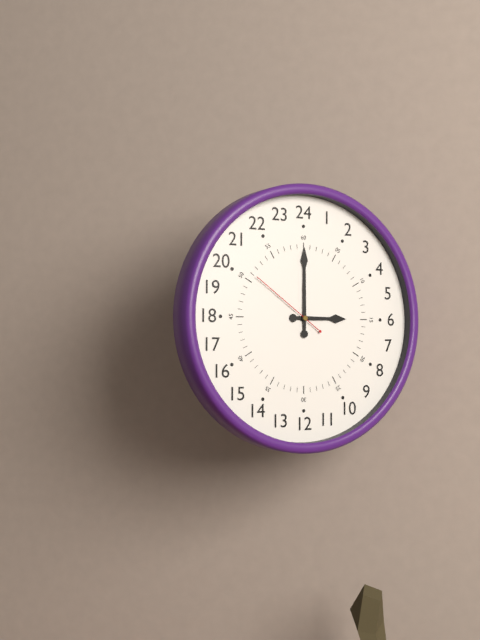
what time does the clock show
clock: 3:00:51
